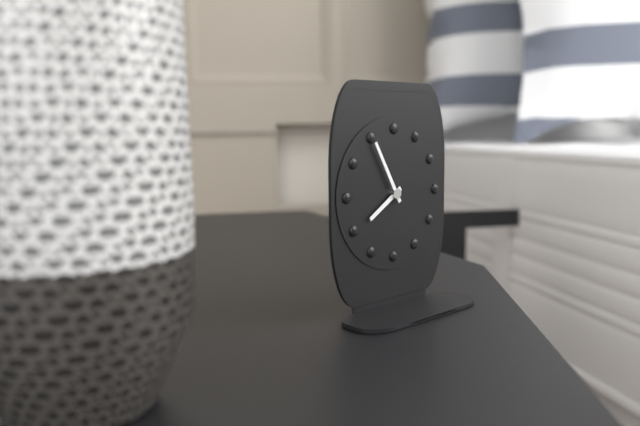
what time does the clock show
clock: 7:55
